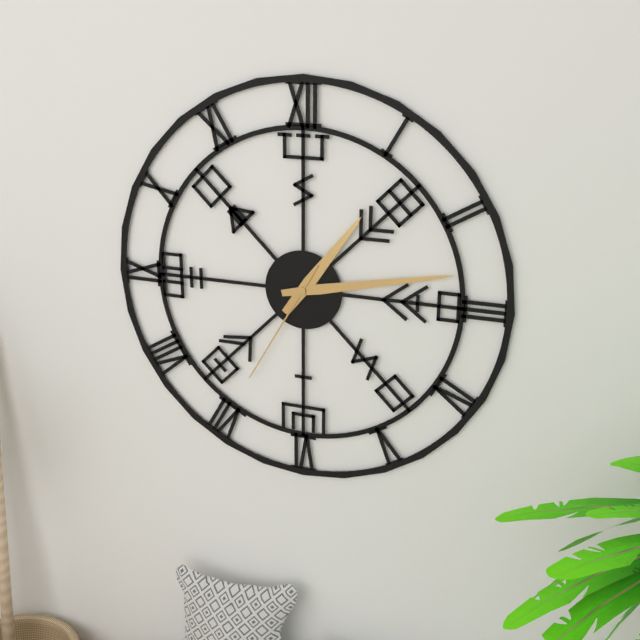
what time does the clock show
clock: 1:13:35
